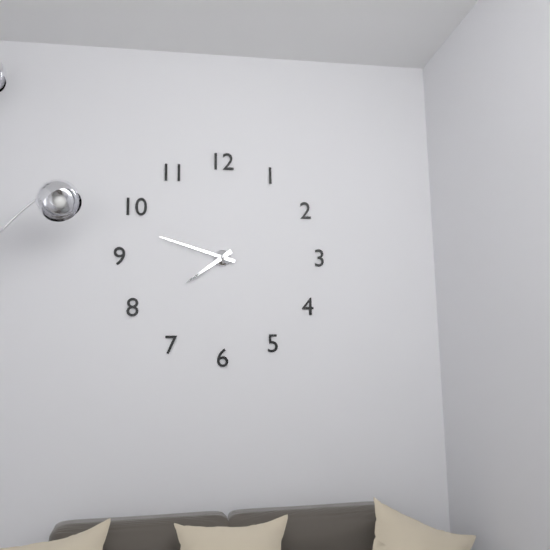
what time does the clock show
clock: 7:48
